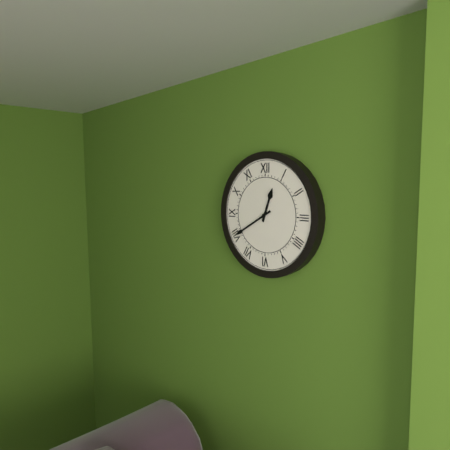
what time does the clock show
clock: 12:40
